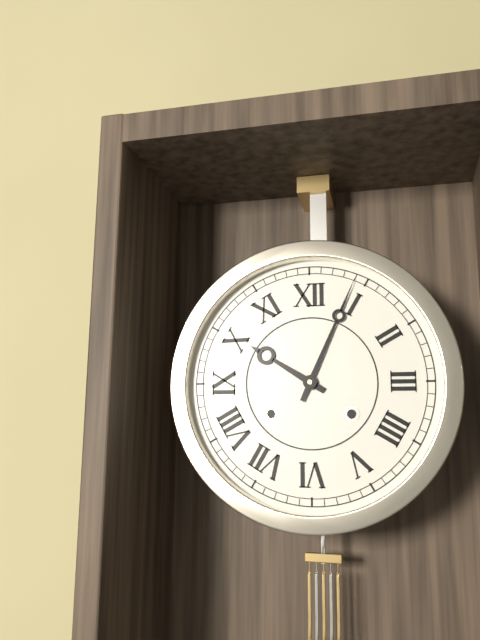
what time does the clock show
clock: 10:04
